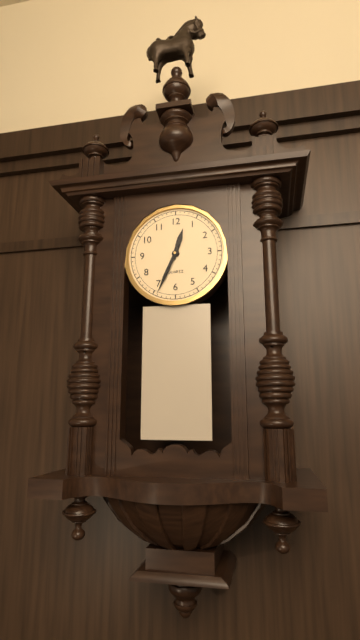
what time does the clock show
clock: 12:34:34
